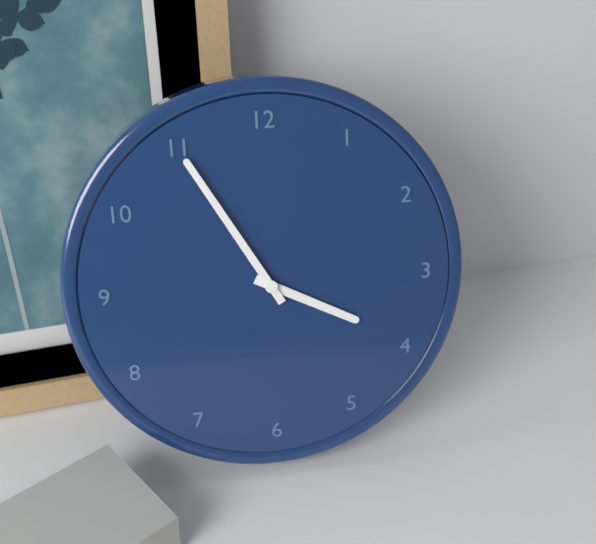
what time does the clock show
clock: 3:55
